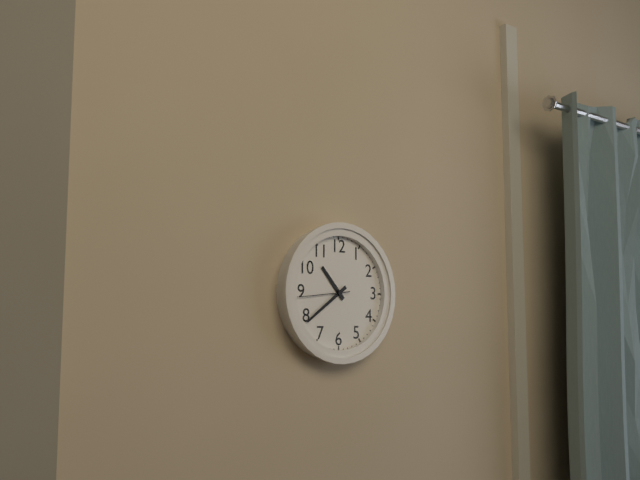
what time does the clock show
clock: 10:39:44
